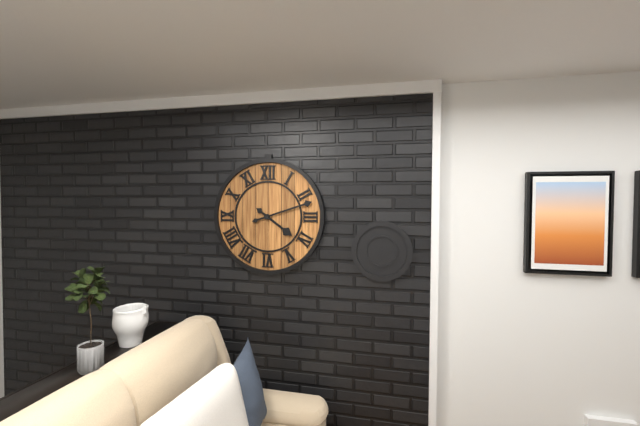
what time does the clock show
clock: 4:12
